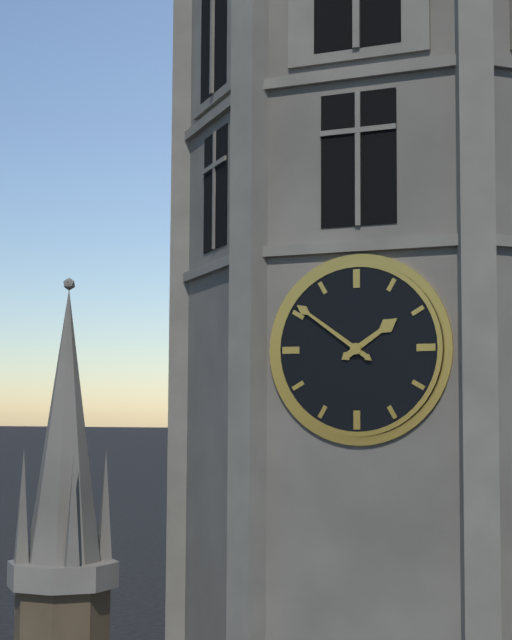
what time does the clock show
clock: 1:51
